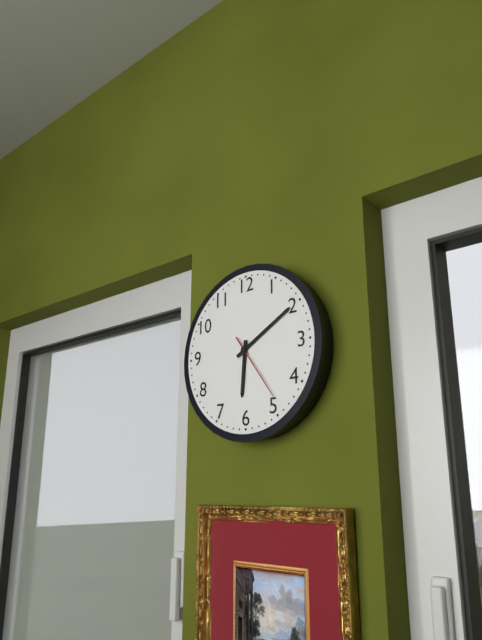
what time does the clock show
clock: 6:10:24
